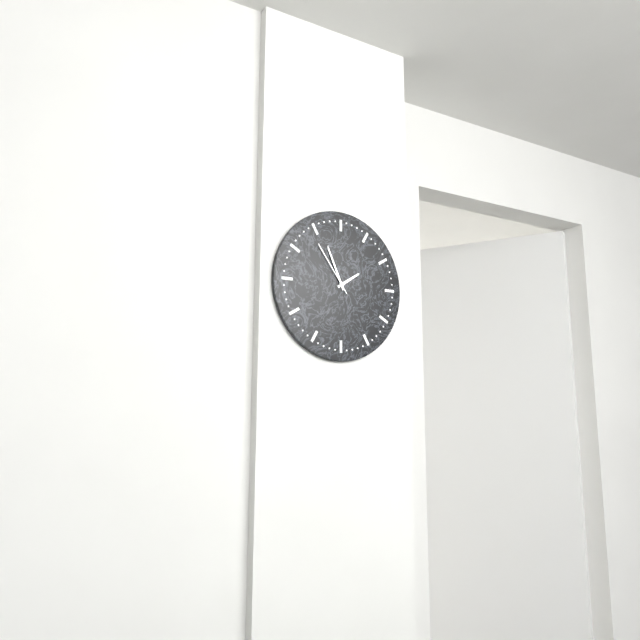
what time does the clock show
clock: 1:56:54
